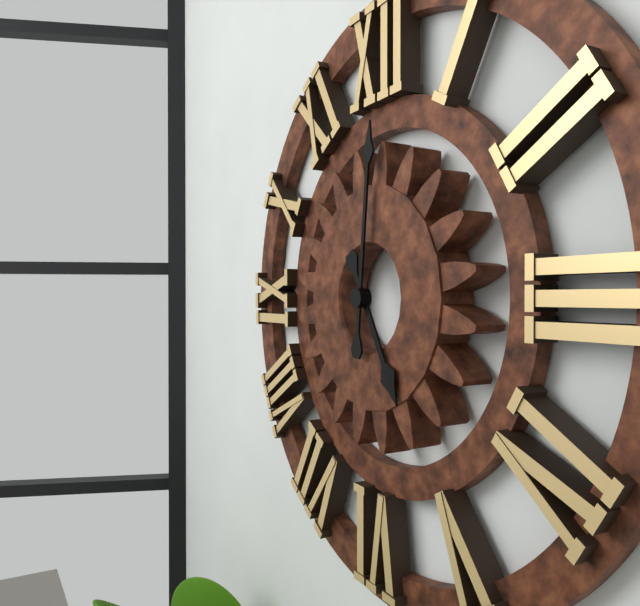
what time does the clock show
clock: 5:01
